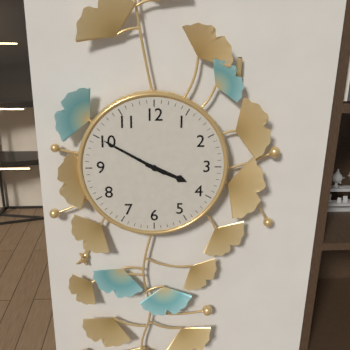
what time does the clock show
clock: 3:50
